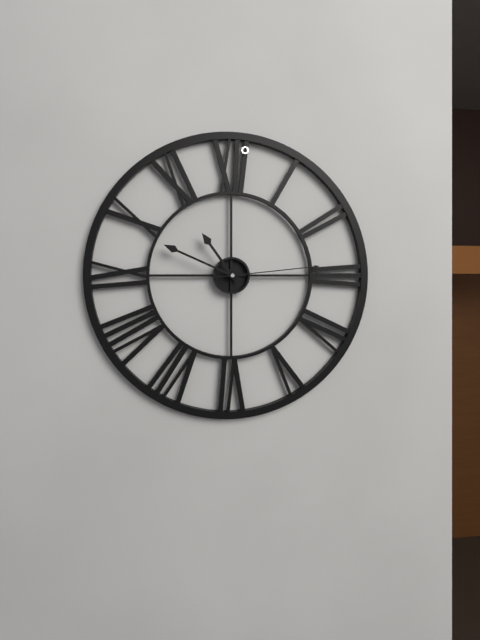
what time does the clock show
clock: 10:49:14
